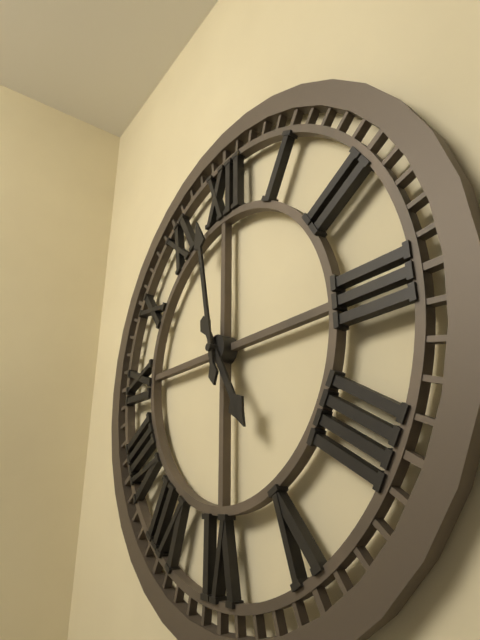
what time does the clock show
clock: 4:58
